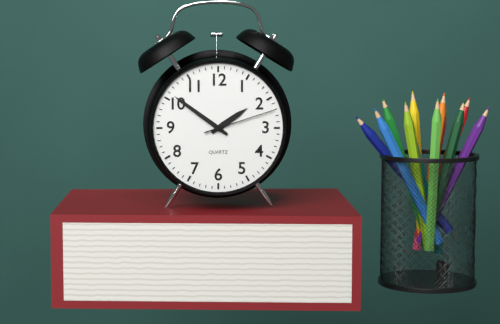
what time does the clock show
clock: 1:51:12
